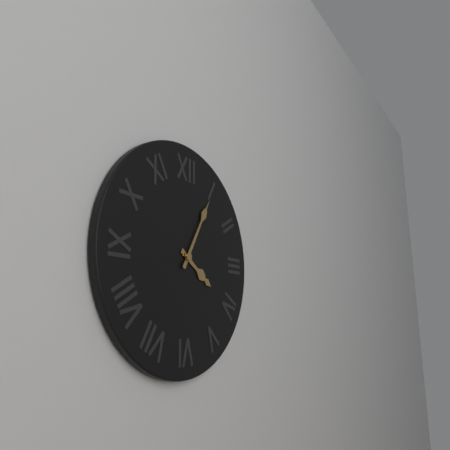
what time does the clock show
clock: 4:05
